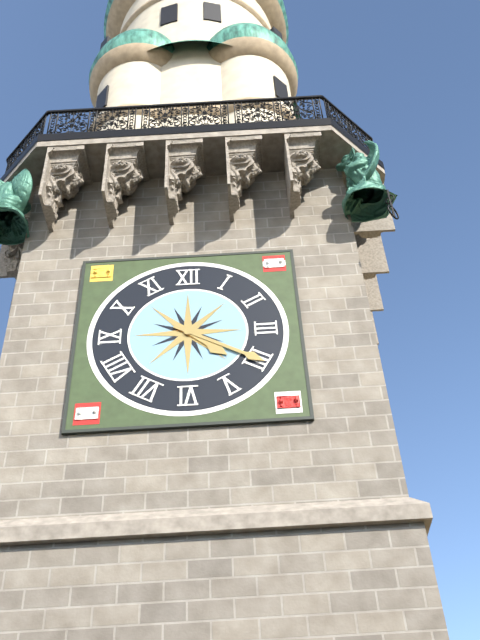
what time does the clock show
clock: 4:20
